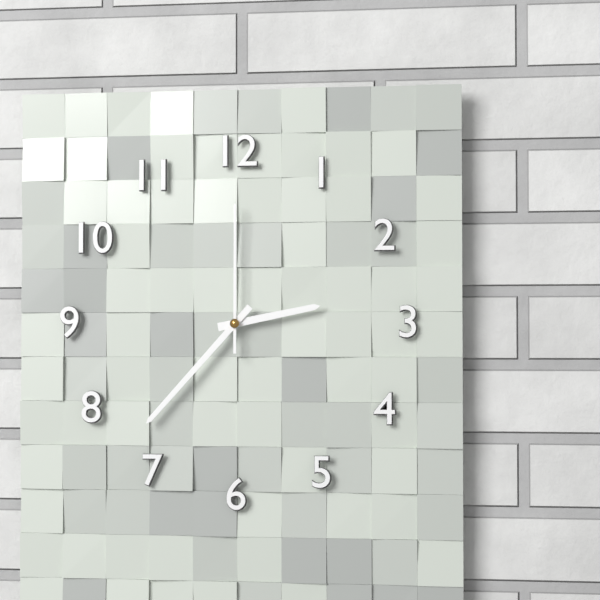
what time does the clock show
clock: 2:37:00
